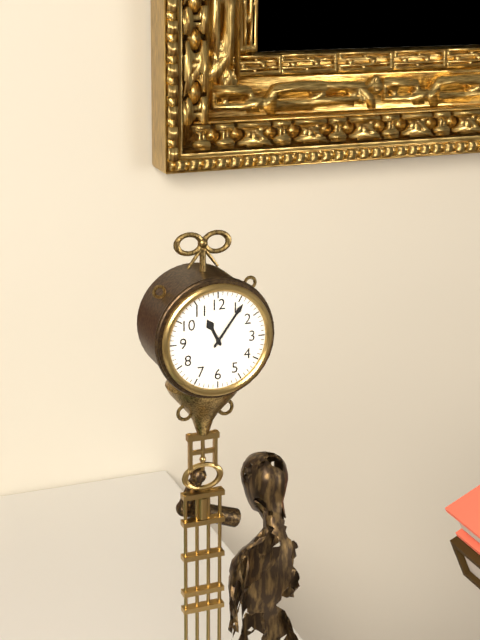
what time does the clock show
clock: 11:06
